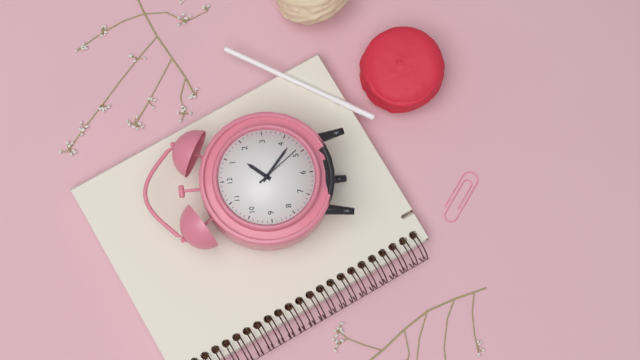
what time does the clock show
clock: 1:22
